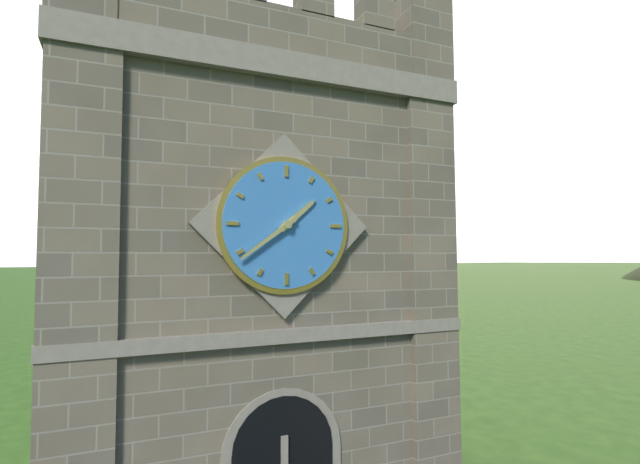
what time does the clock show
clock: 1:39
